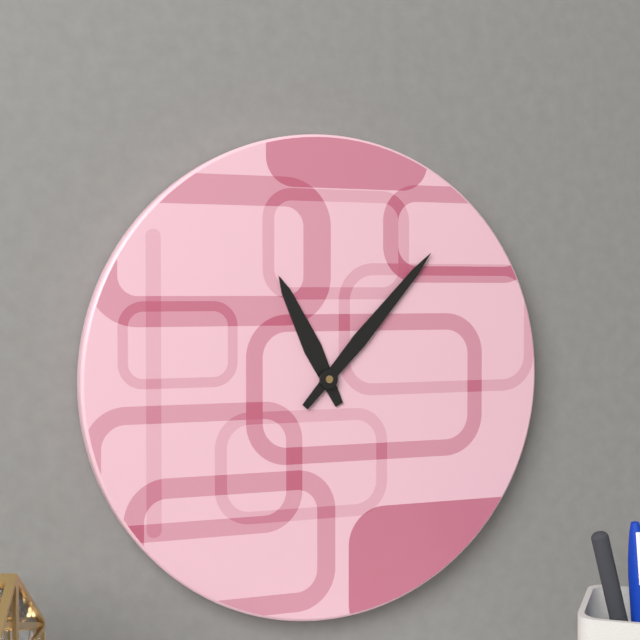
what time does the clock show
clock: 11:07
